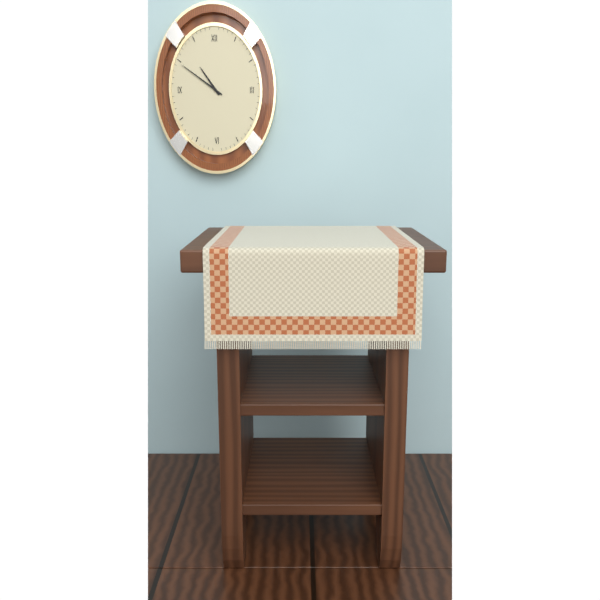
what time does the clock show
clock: 10:51
